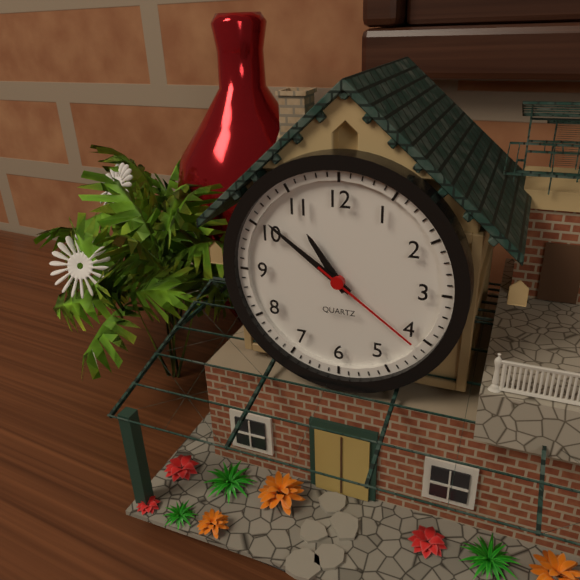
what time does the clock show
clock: 10:51:21
